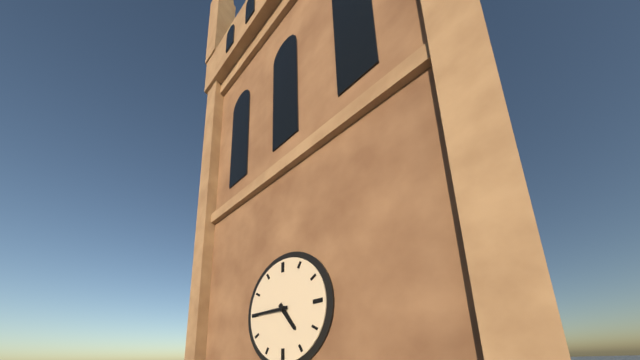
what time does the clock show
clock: 4:45
